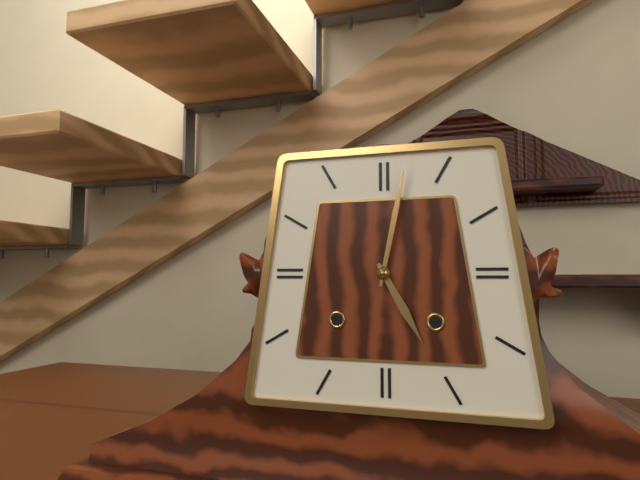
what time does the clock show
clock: 5:02
